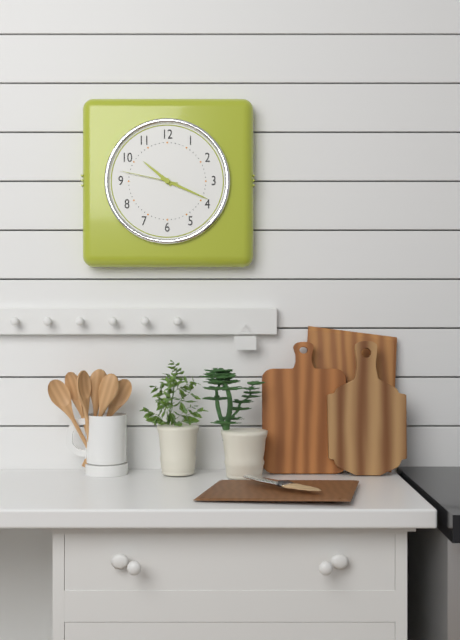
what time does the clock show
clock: 10:19:47
